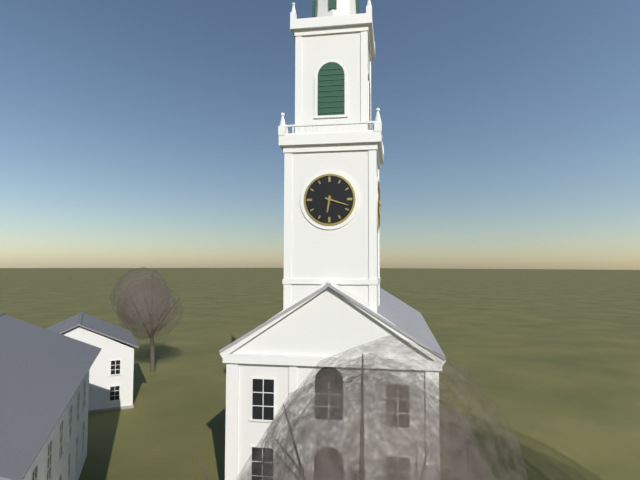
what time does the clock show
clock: 6:18
